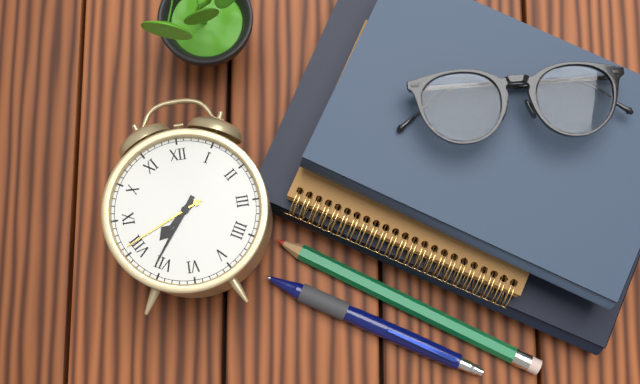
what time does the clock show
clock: 7:36:41
